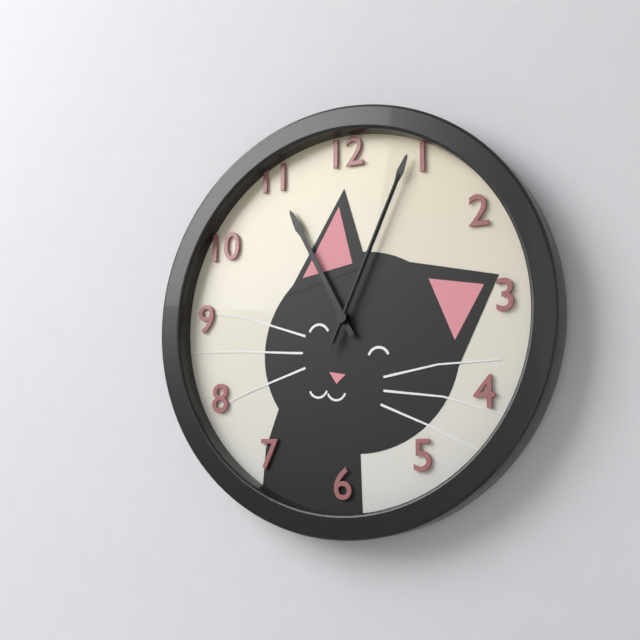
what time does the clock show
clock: 11:04:04
